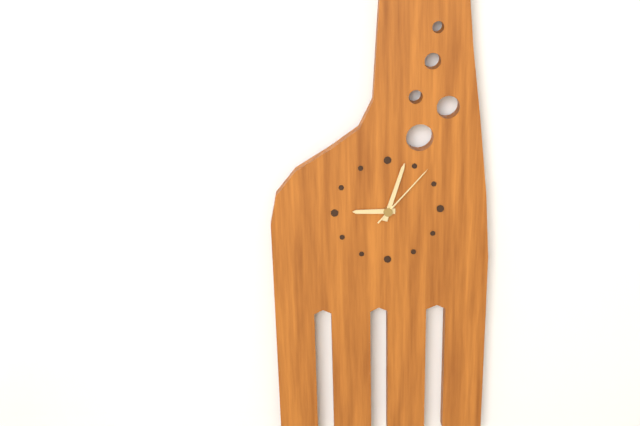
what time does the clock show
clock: 9:03:07
